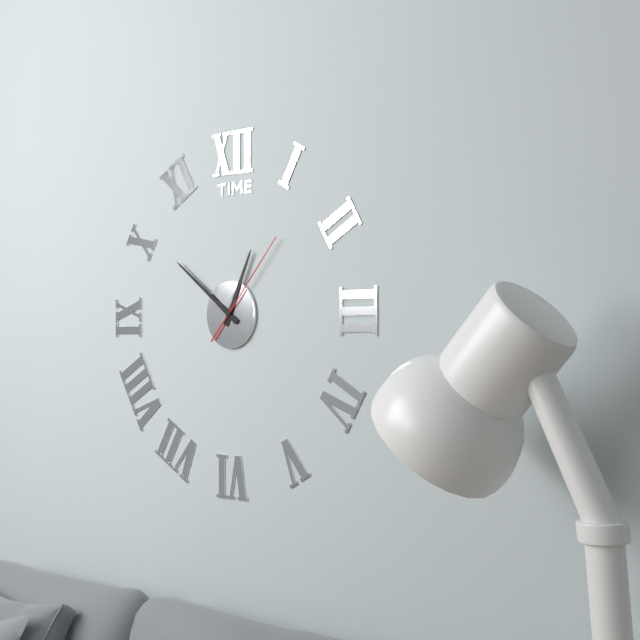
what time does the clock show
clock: 12:51:07
